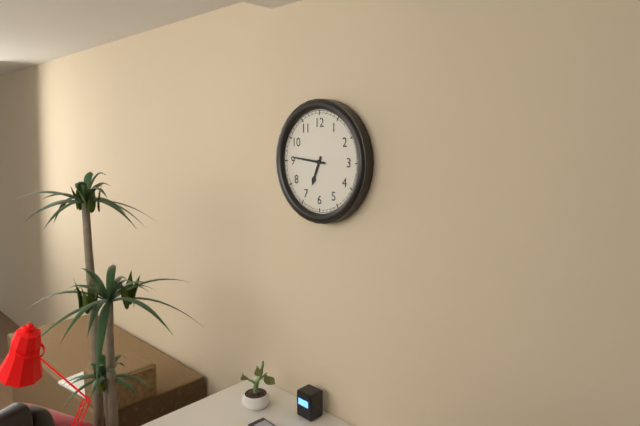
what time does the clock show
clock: 6:46
